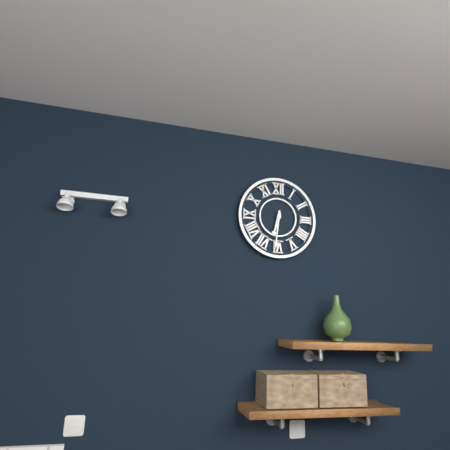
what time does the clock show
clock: 6:31
